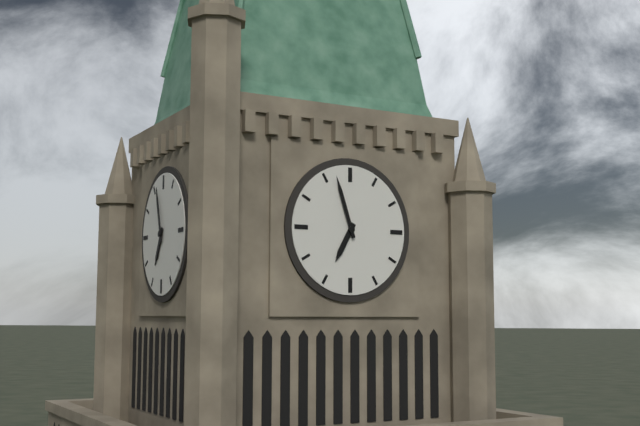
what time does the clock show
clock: 6:57
